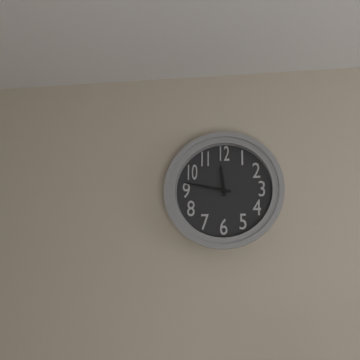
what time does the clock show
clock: 11:47
